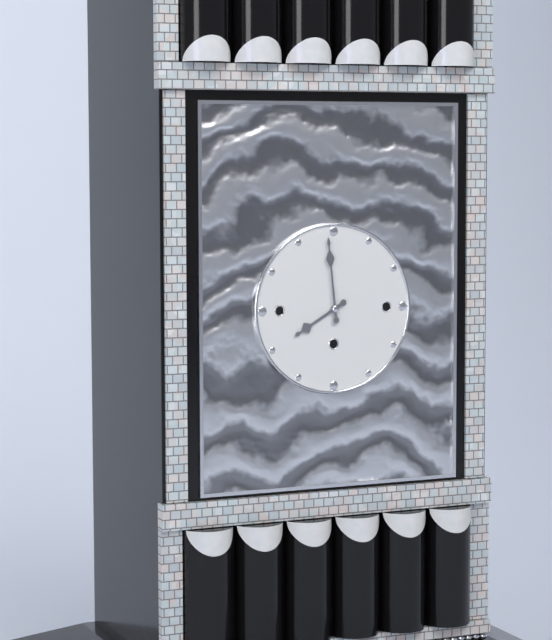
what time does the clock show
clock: 7:59
